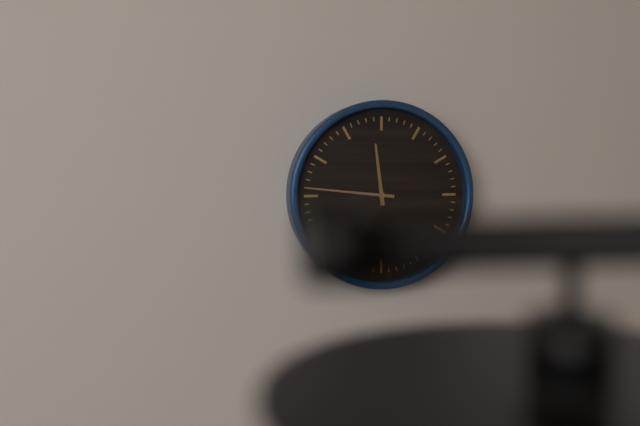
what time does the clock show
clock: 11:46
